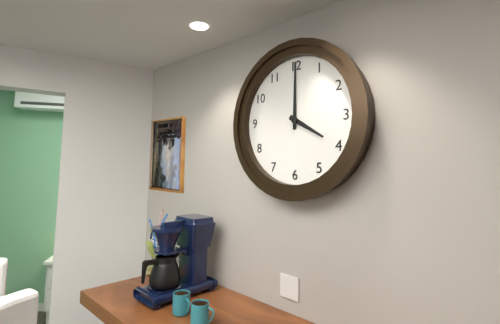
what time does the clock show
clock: 4:00
